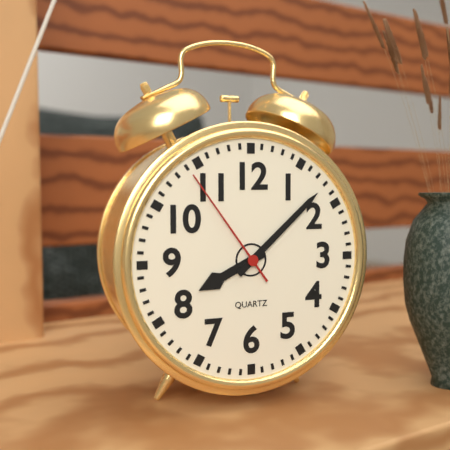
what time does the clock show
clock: 8:08:54
